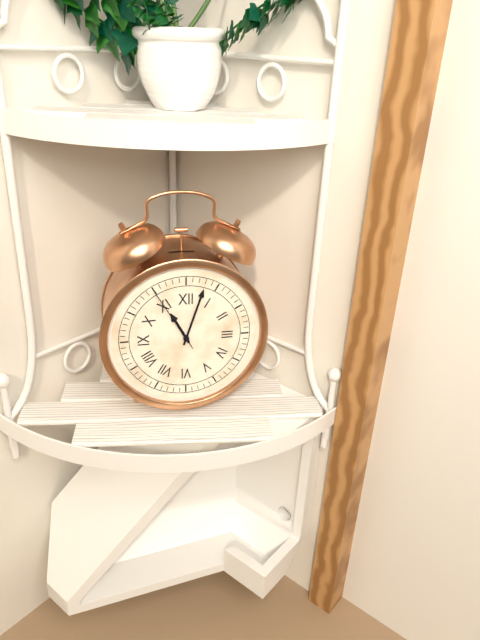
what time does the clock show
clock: 11:03:55
